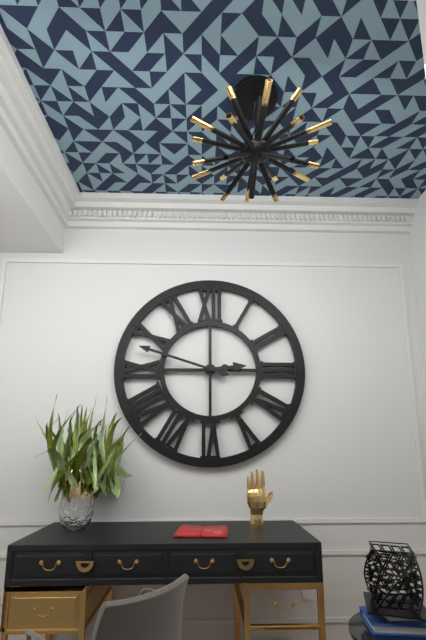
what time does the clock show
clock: 2:48
